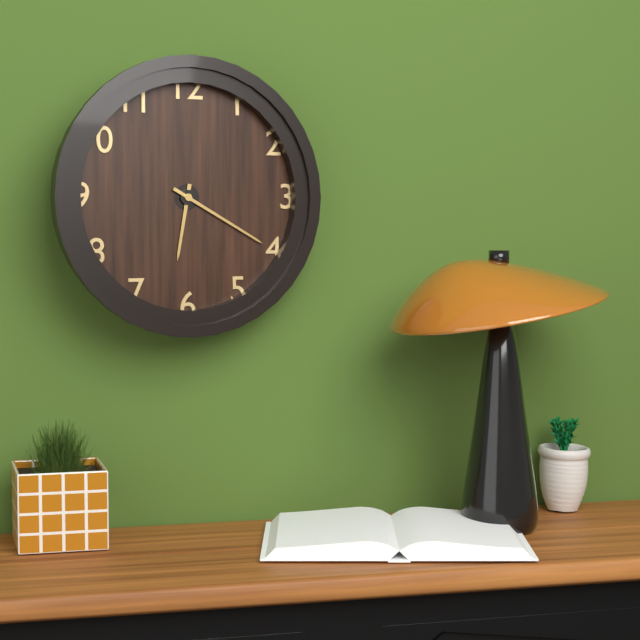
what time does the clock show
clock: 6:20
